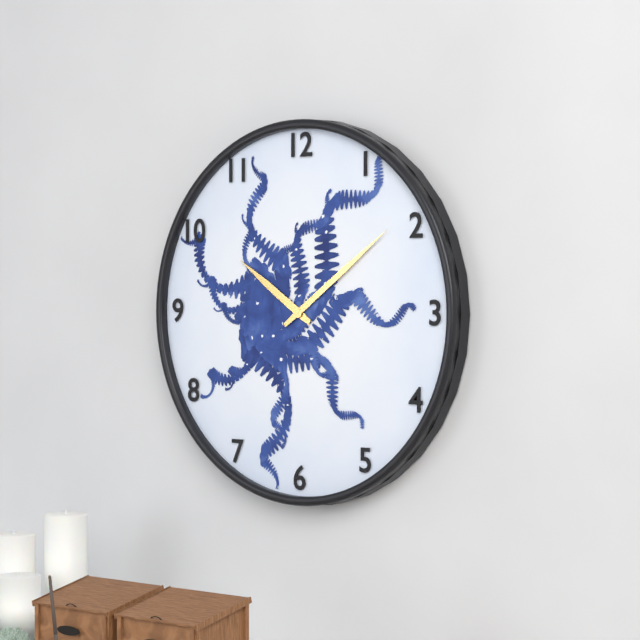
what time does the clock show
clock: 10:09
